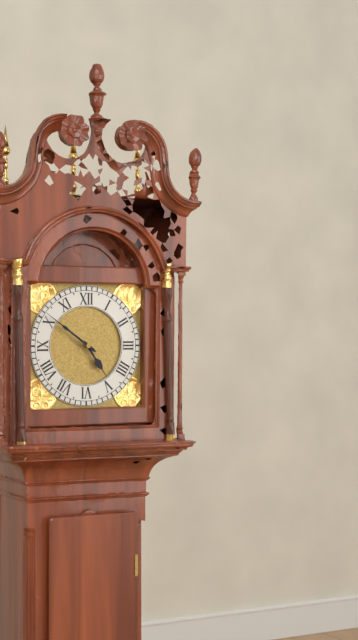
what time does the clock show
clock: 4:51
